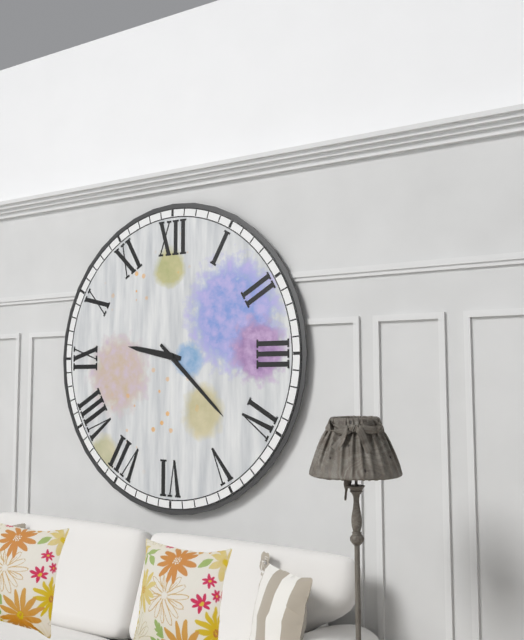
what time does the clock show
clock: 9:22
